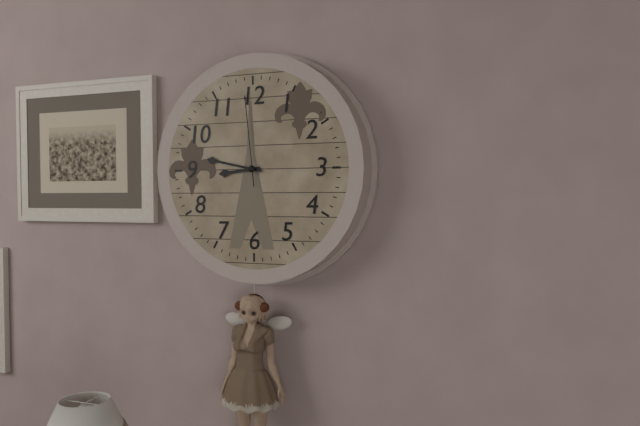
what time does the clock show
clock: 8:47:59
